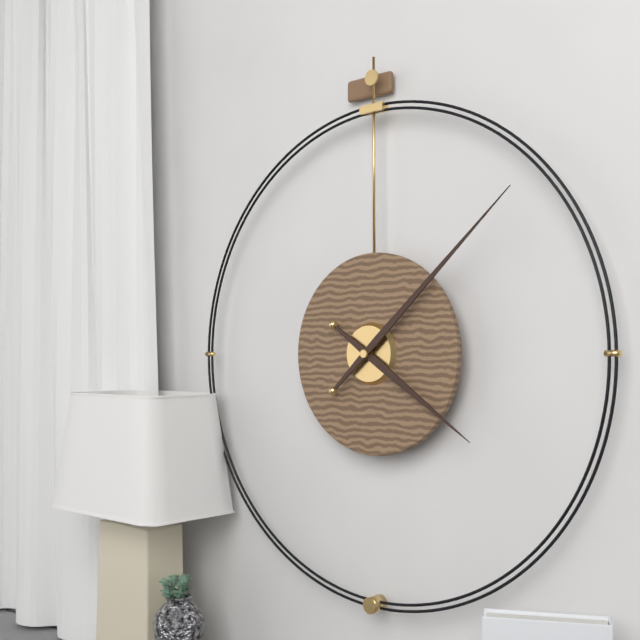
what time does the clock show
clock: 4:08
